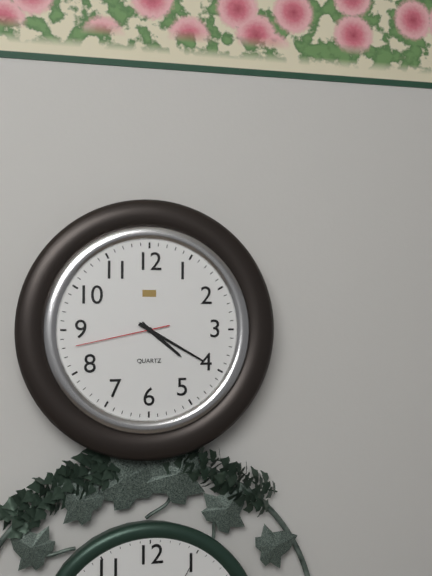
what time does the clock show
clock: 4:20:43
